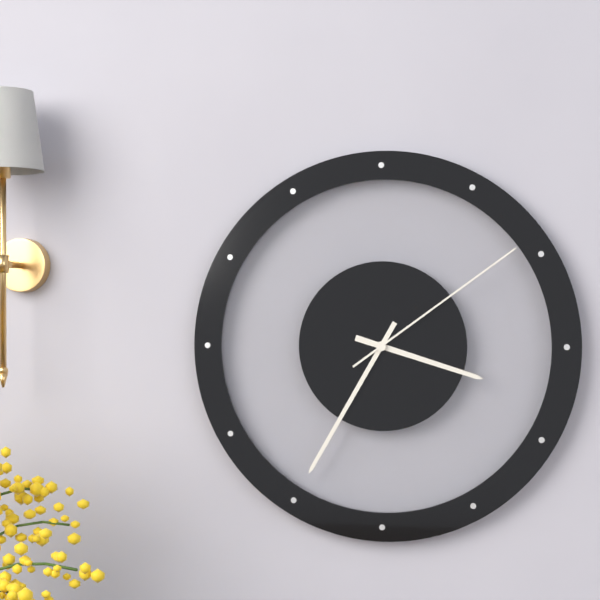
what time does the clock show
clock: 3:35:09
